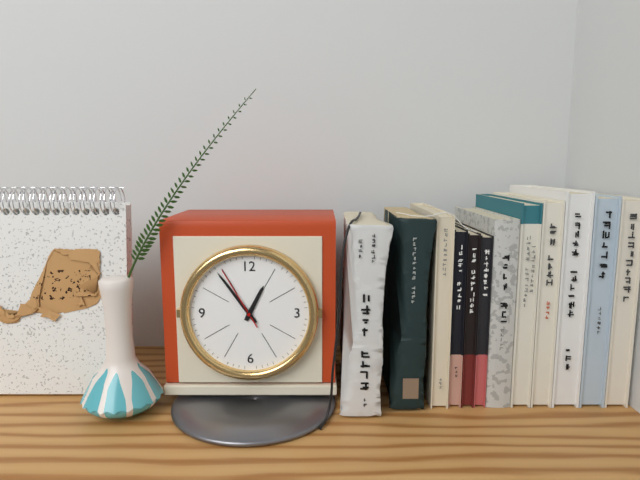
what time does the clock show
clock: 12:54:55
